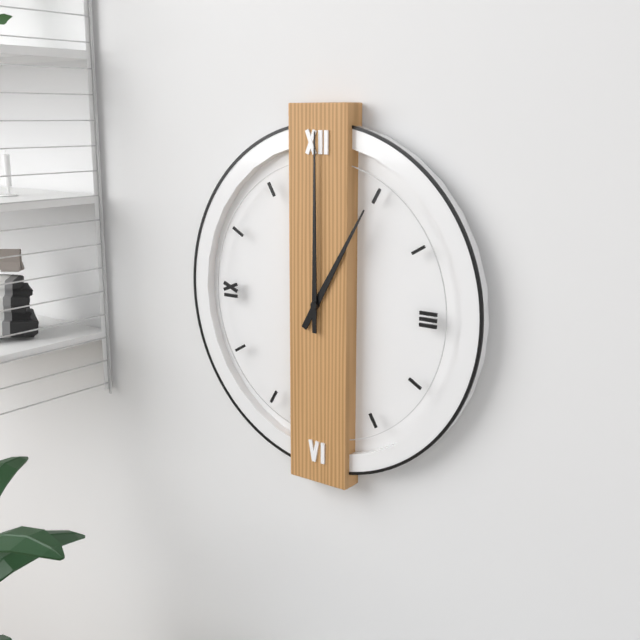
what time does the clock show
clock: 1:00
